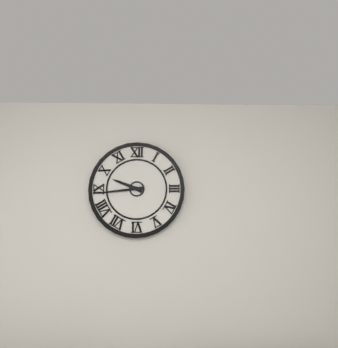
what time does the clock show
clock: 9:44
